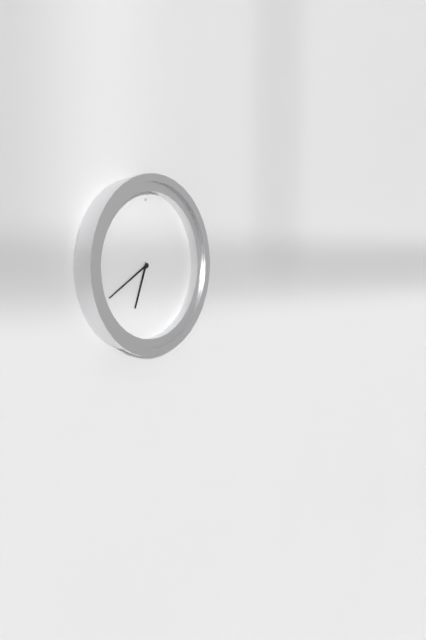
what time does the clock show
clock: 6:40
